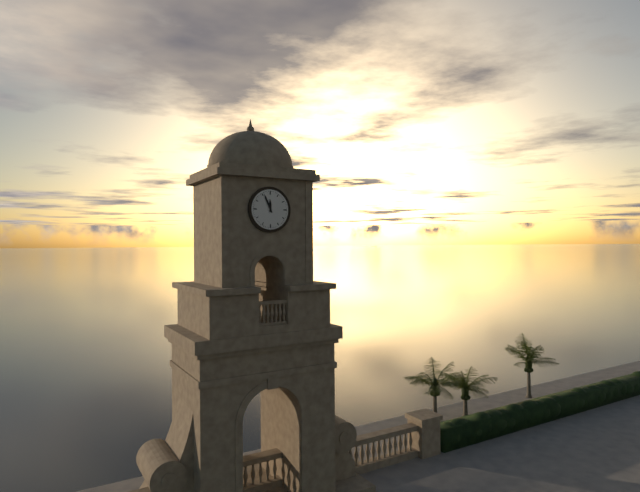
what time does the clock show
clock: 11:56
